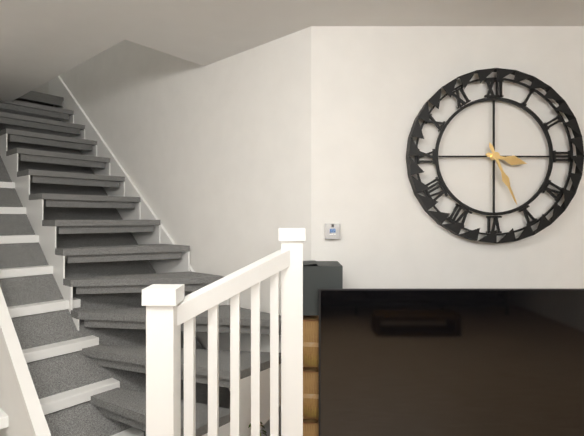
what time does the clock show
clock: 3:26
